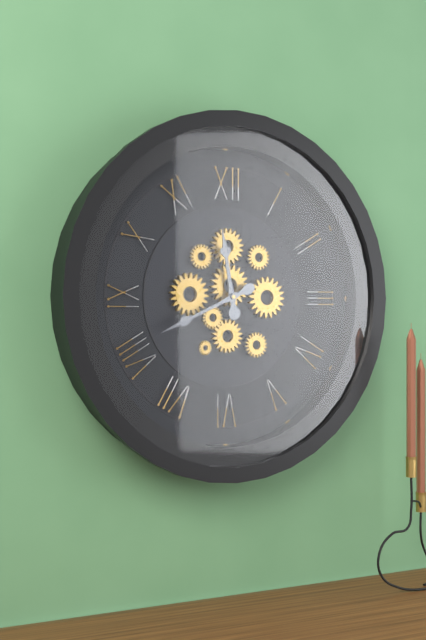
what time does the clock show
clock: 11:41
